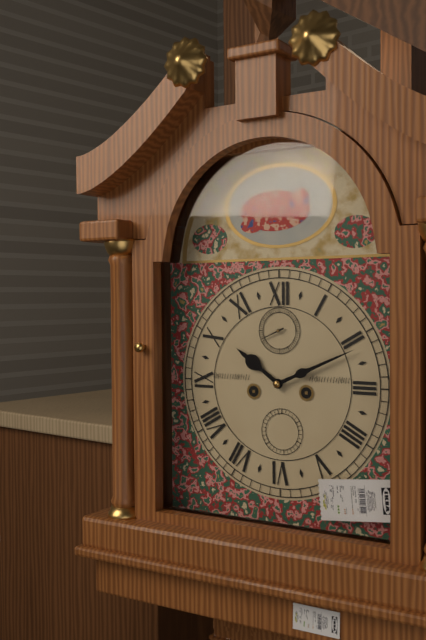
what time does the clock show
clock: 10:11
